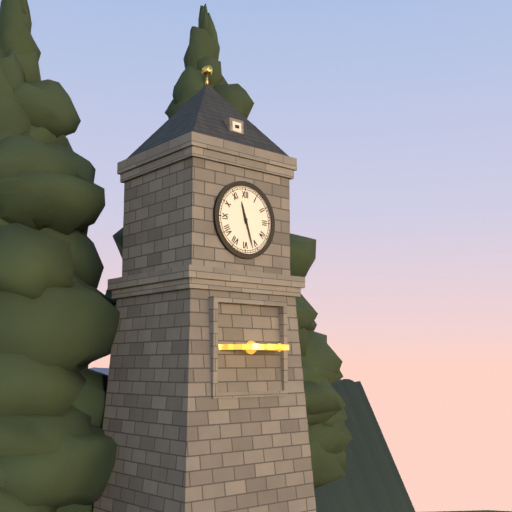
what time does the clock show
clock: 11:27
